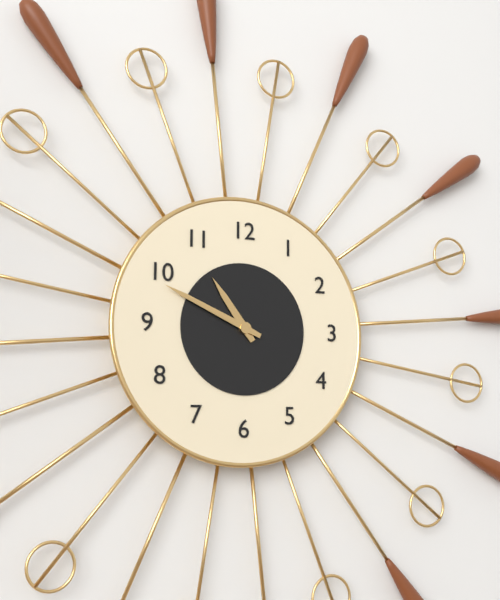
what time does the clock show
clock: 10:49
